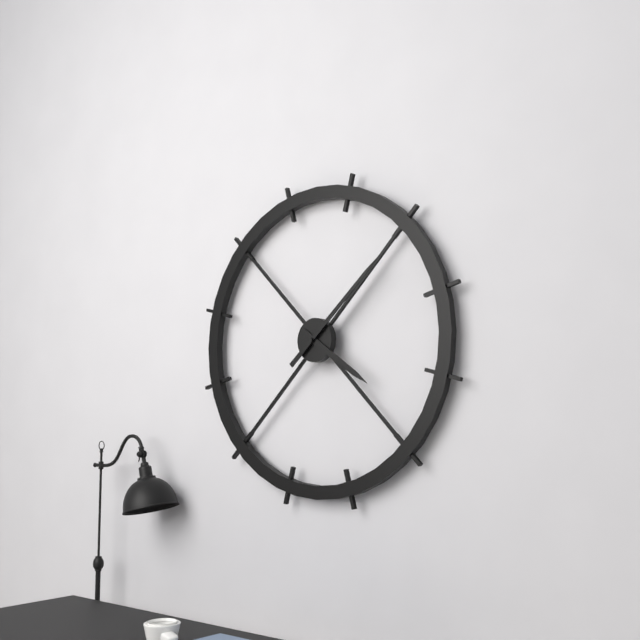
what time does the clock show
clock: 4:08
